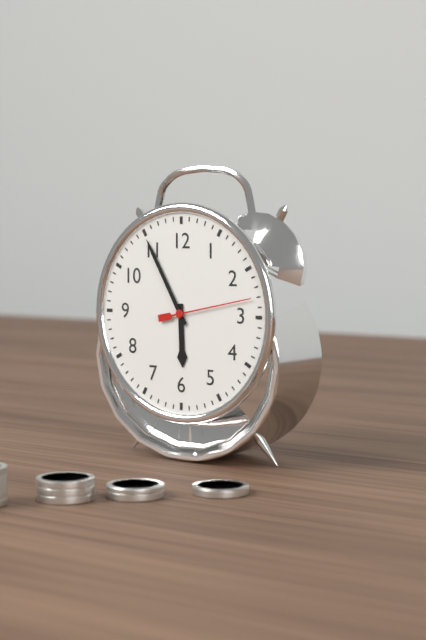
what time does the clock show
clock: 5:55:13
